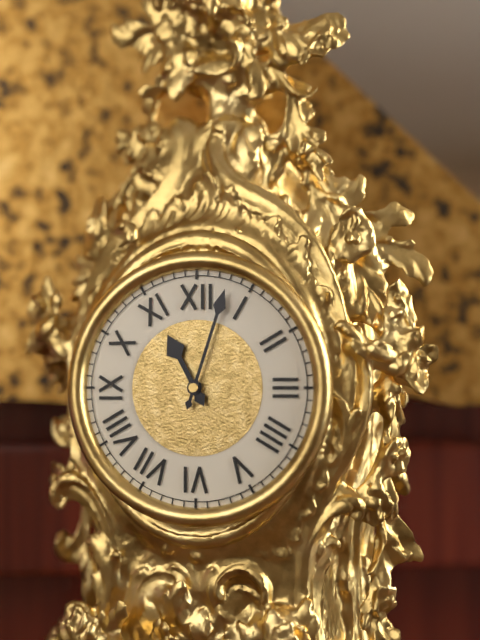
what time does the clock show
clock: 11:03
